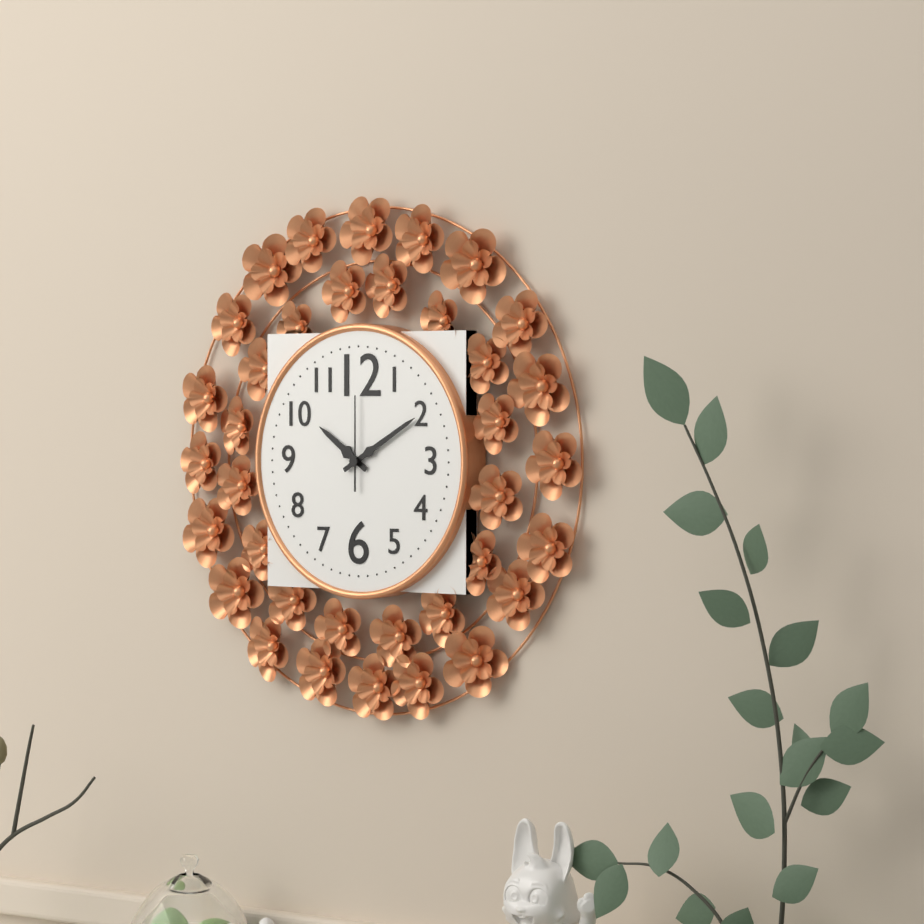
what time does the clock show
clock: 10:10:00
